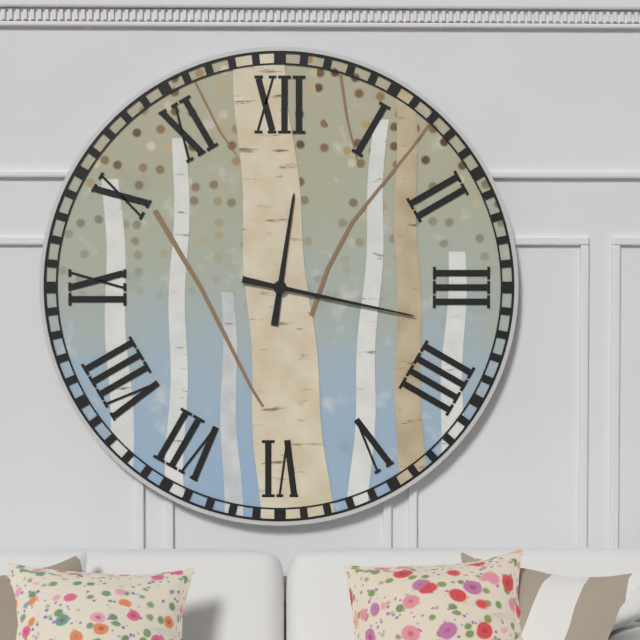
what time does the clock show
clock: 12:17
